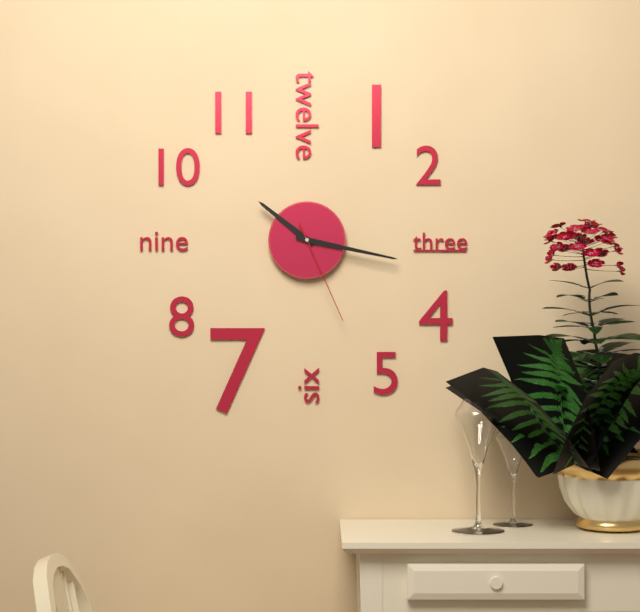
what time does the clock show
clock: 10:17:26
